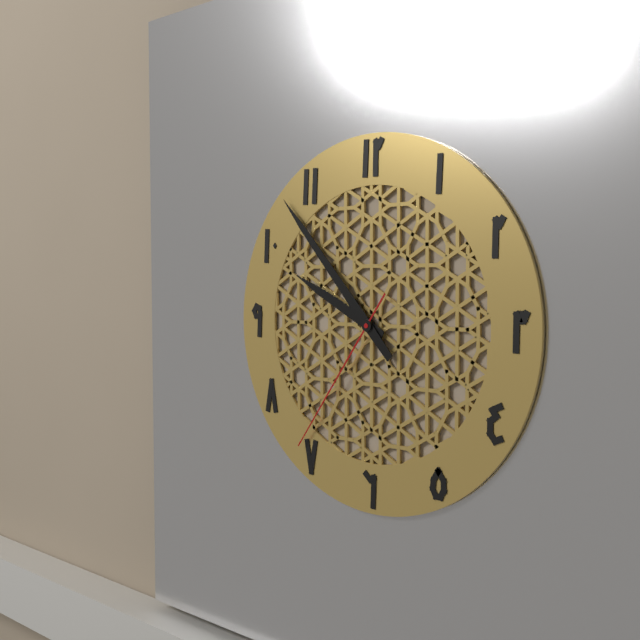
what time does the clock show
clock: 9:53:36
